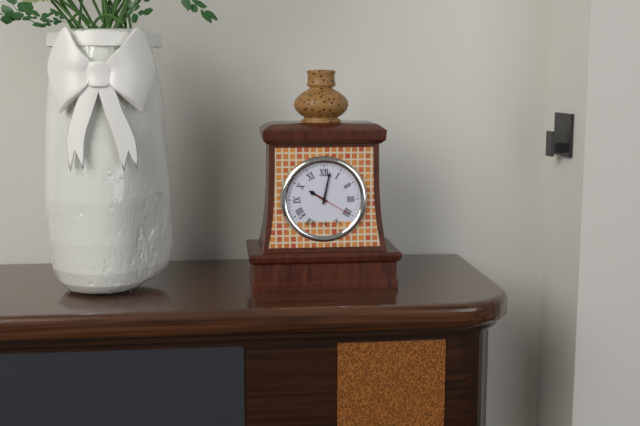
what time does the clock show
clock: 10:02
